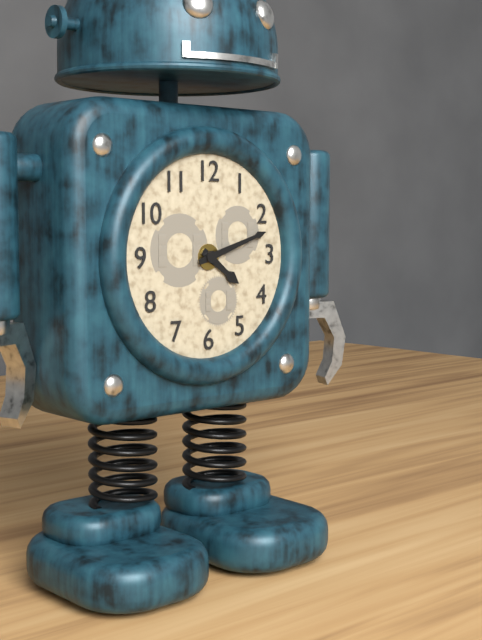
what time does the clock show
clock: 4:12
